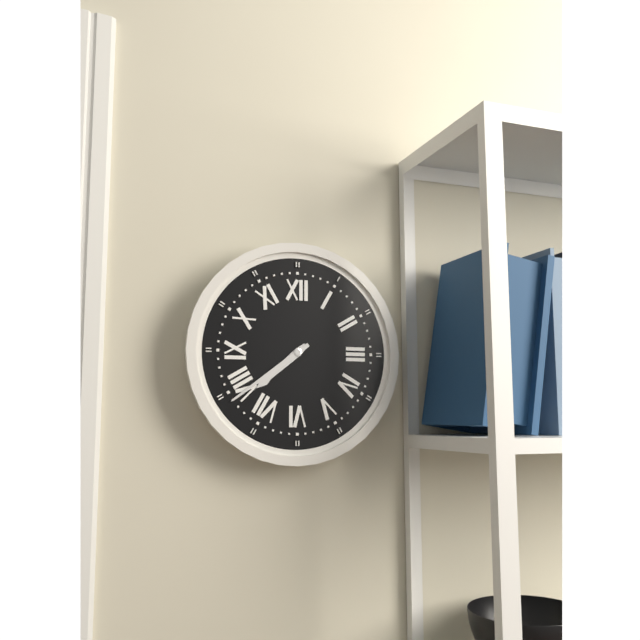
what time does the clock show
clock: 7:39
